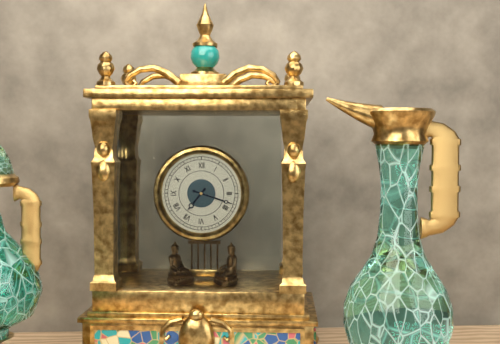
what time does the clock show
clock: 7:18
